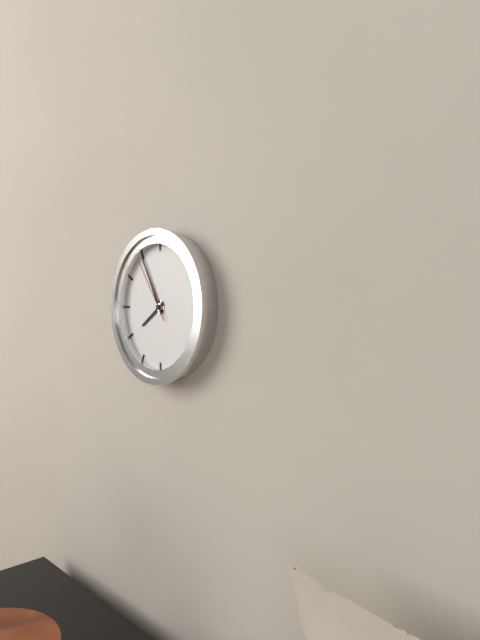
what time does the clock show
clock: 7:55:54
